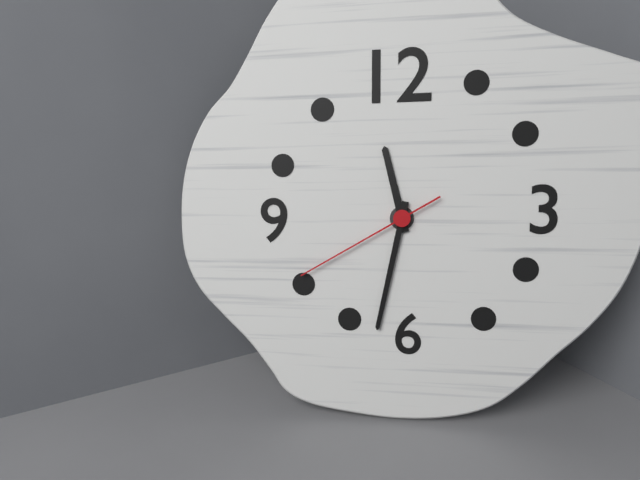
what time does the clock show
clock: 11:32:40
